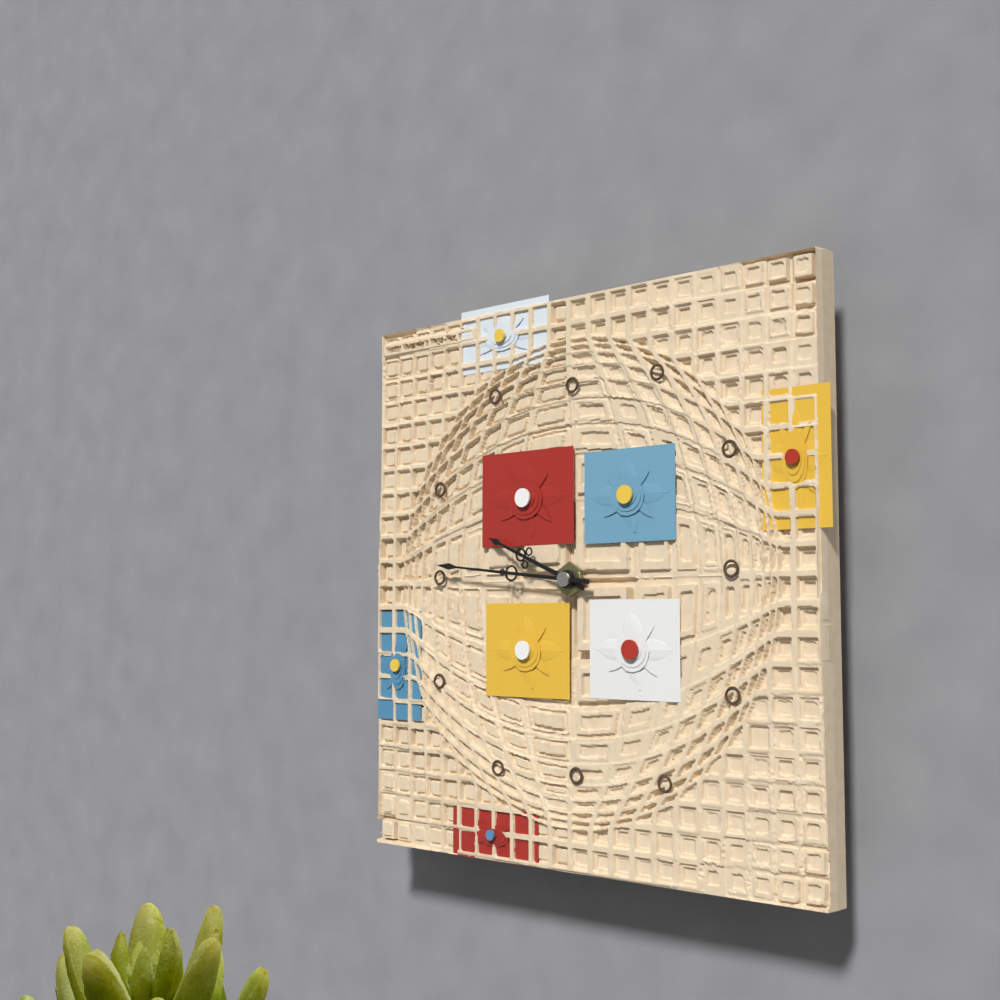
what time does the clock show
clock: 9:46
